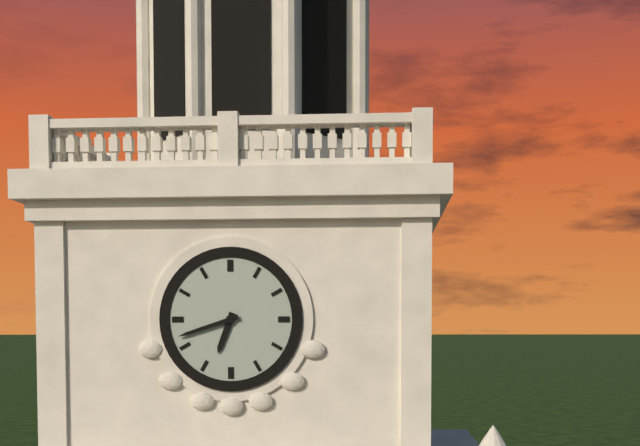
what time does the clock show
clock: 6:42
